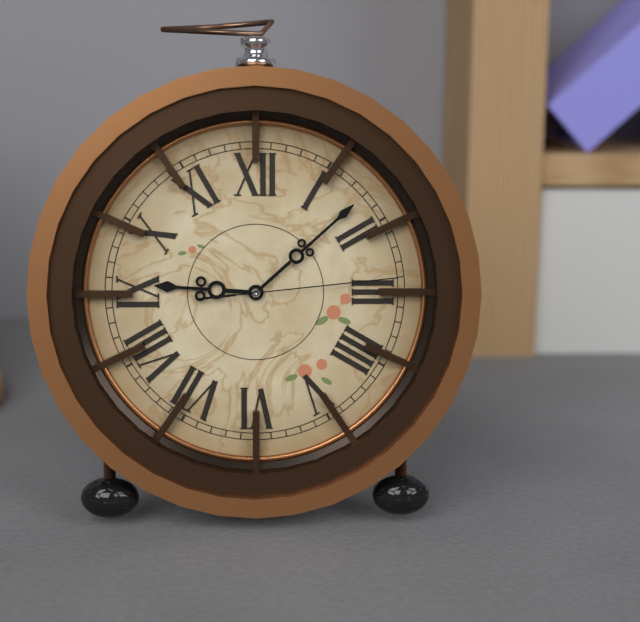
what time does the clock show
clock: 9:08:14
